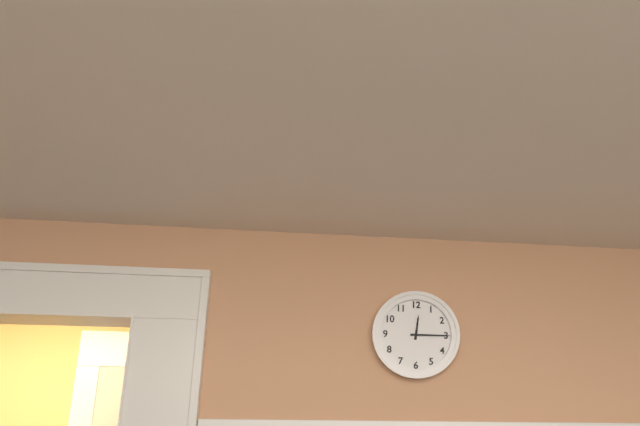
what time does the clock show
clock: 12:15
